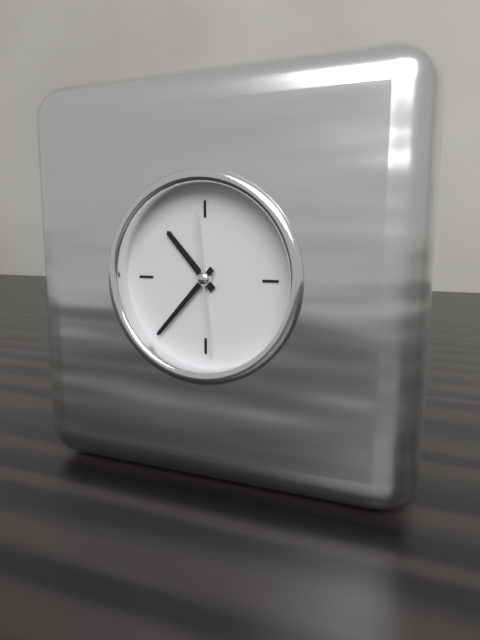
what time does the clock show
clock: 10:37:29
